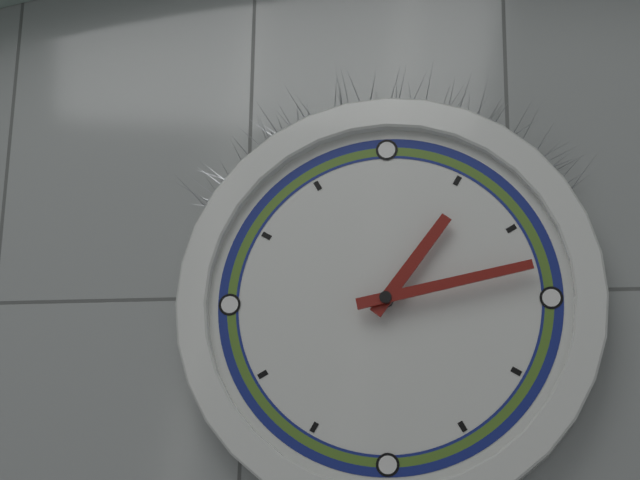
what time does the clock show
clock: 1:13
